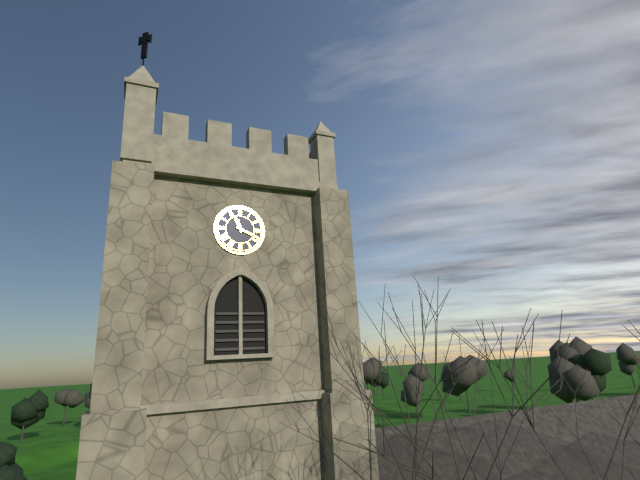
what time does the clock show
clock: 11:19
